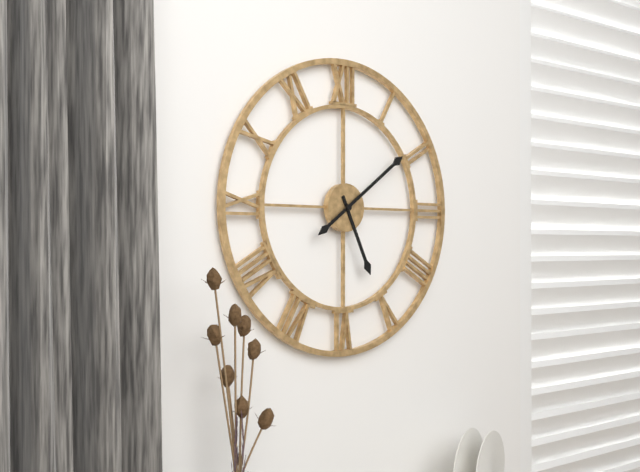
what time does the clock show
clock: 5:09
